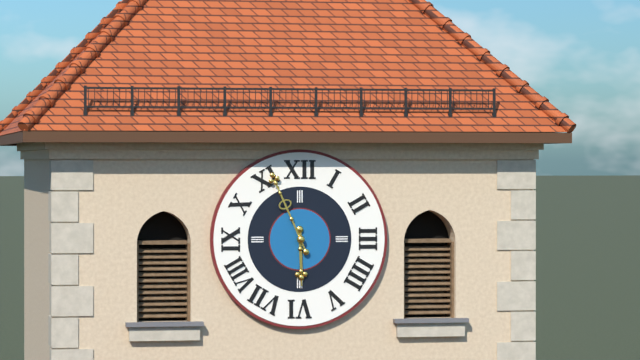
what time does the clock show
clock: 5:56
